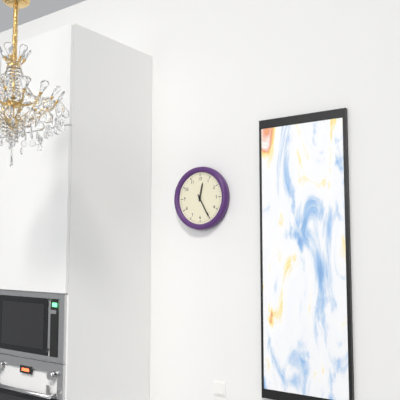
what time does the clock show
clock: 12:25
